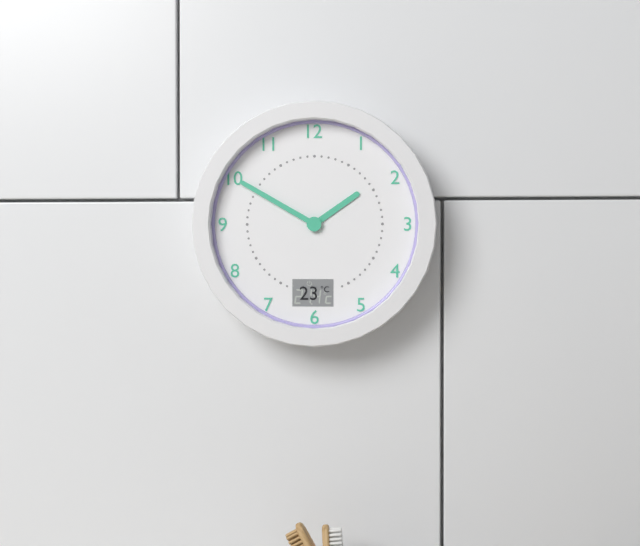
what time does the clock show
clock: 1:50
